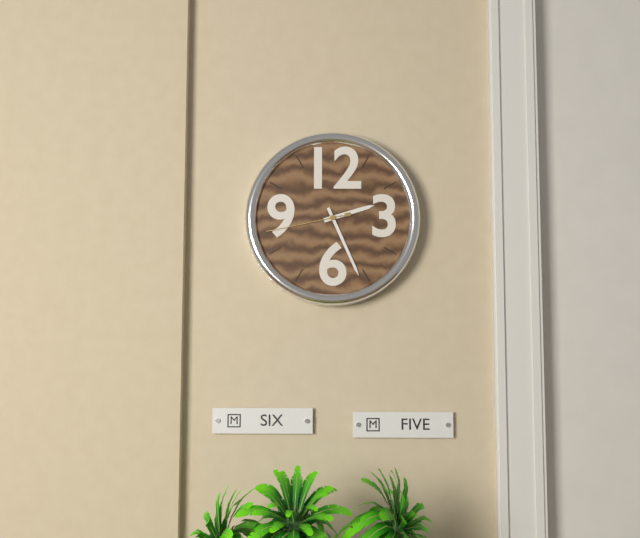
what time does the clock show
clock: 2:26:43
